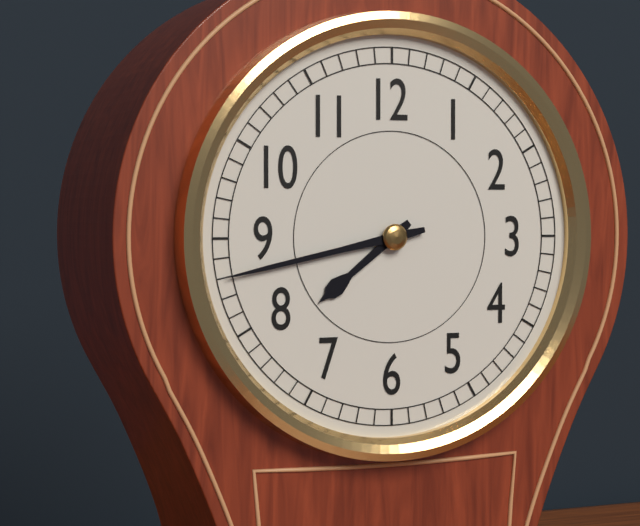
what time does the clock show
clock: 7:43
